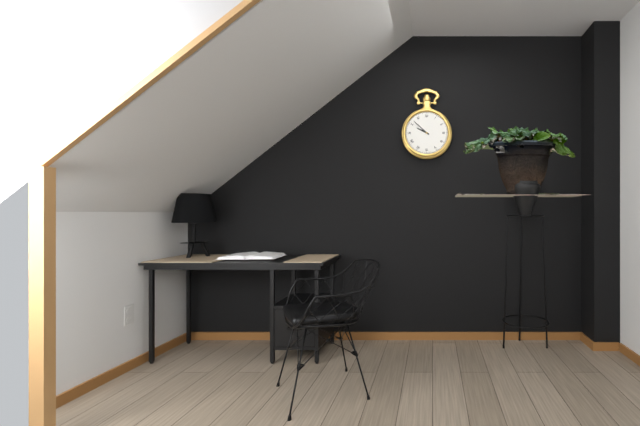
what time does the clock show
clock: 9:52
